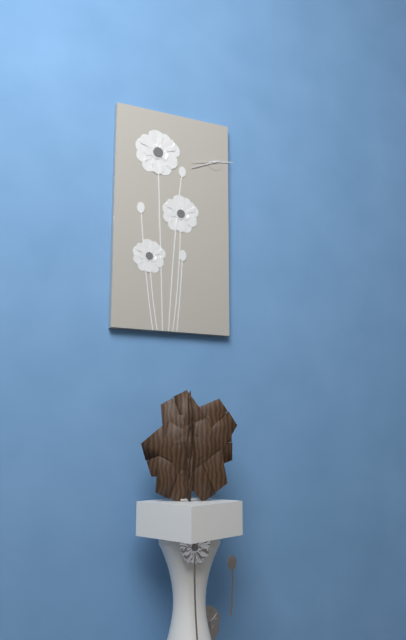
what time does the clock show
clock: 2:41
